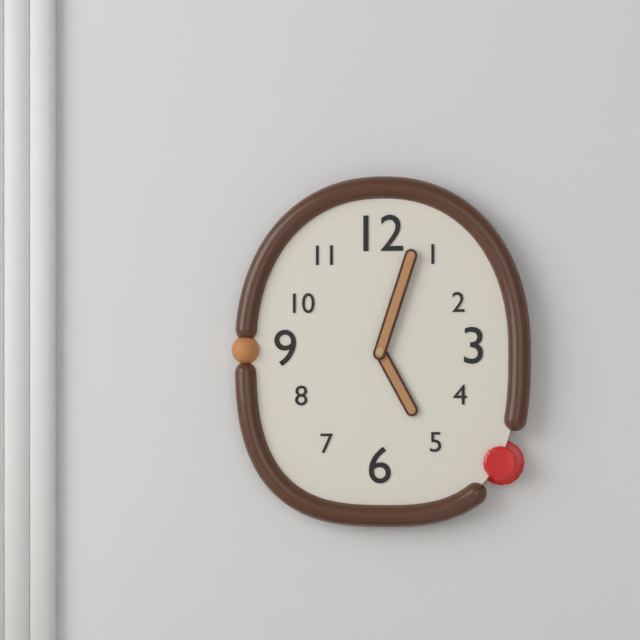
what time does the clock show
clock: 5:03
